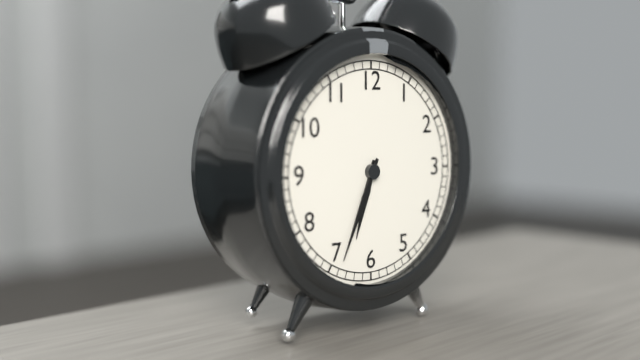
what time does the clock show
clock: 6:34
